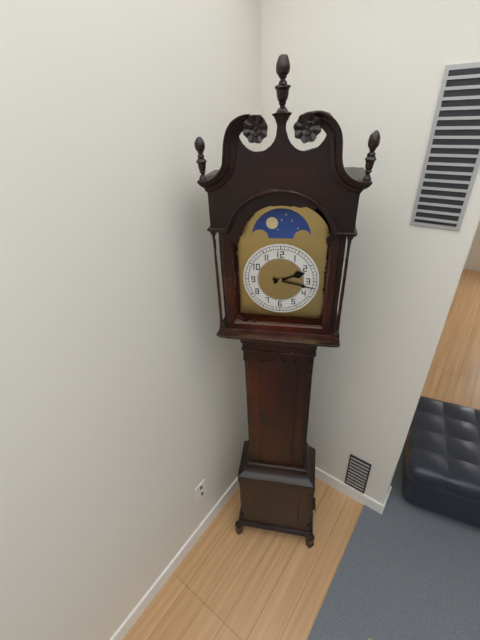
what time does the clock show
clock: 2:17
